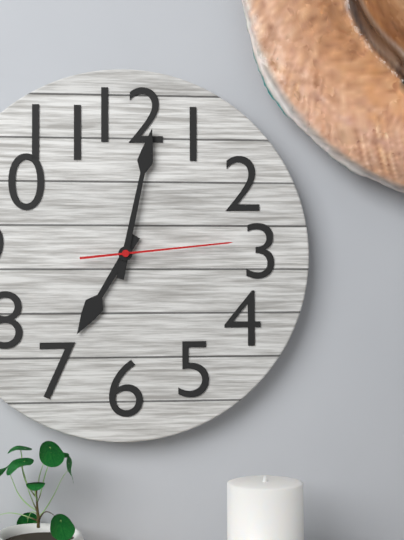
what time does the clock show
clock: 7:02:14
